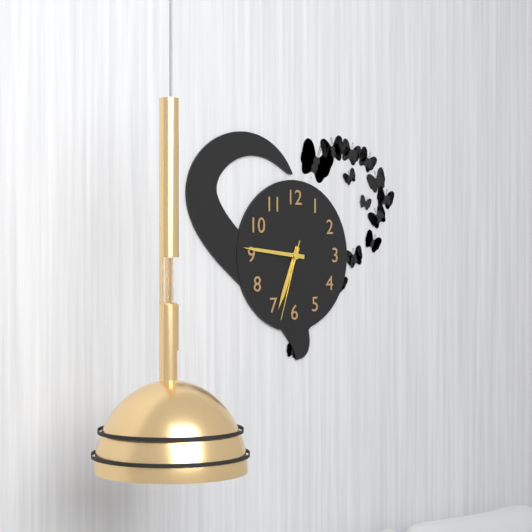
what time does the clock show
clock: 6:46:33
